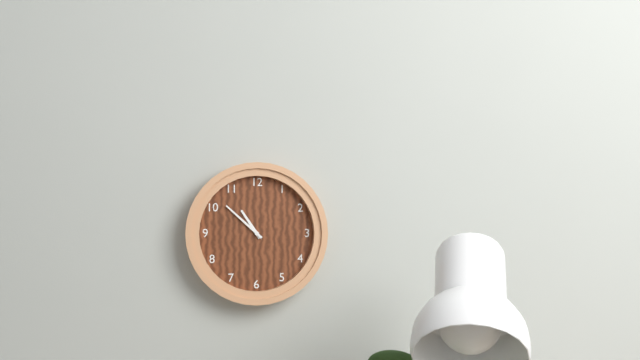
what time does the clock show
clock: 10:52
